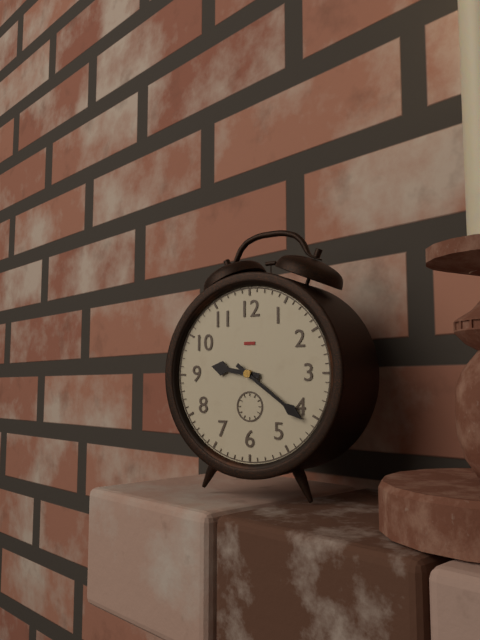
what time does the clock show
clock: 9:21
